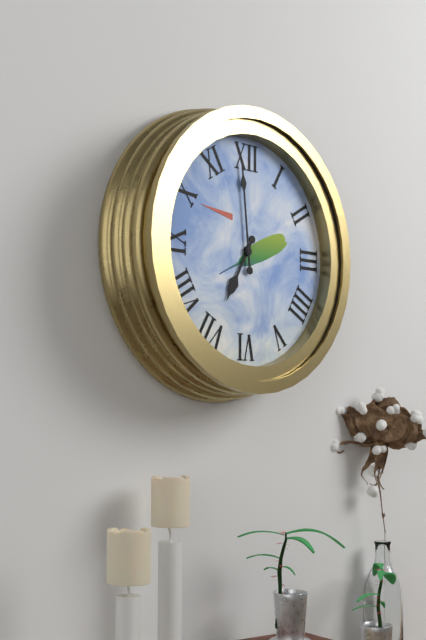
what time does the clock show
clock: 6:59
